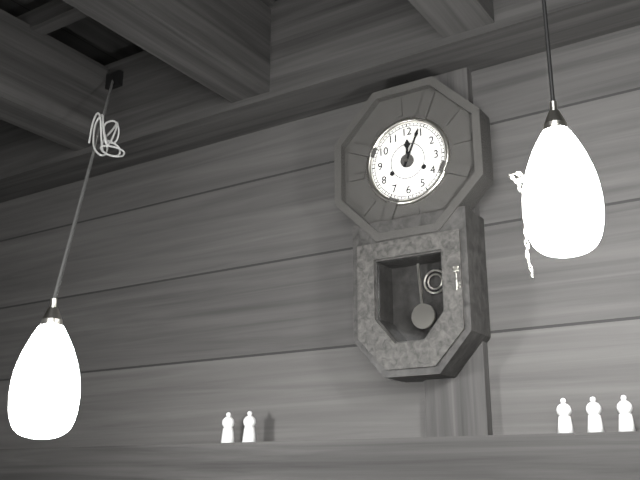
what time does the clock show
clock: 12:04
